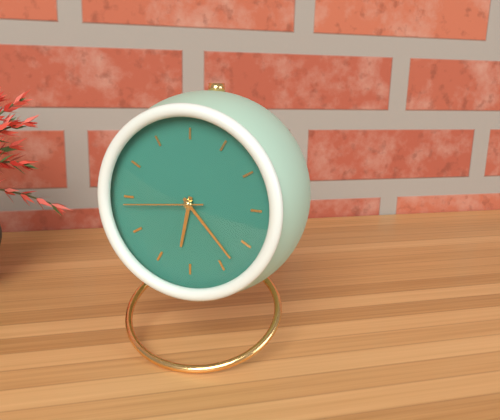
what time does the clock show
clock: 6:23:44
